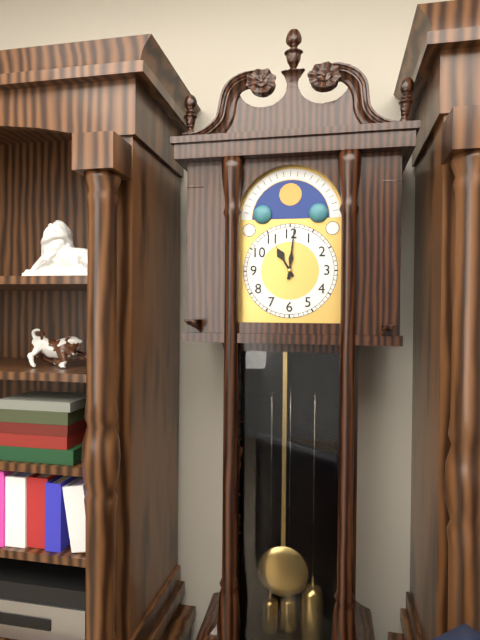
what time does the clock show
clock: 11:01
